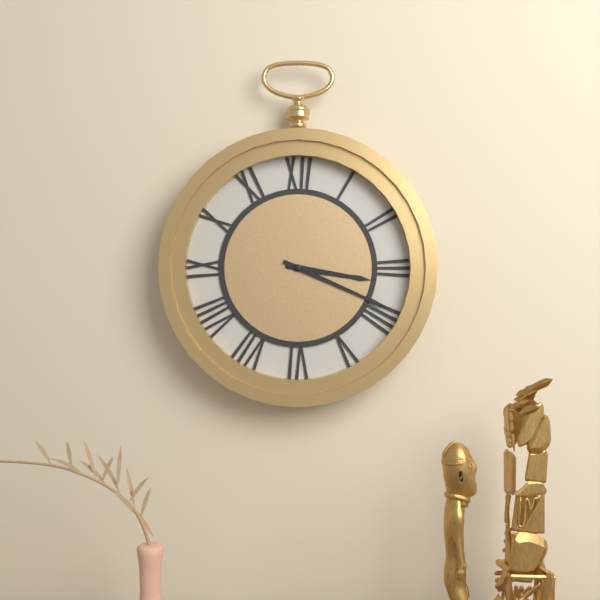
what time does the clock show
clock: 3:19
